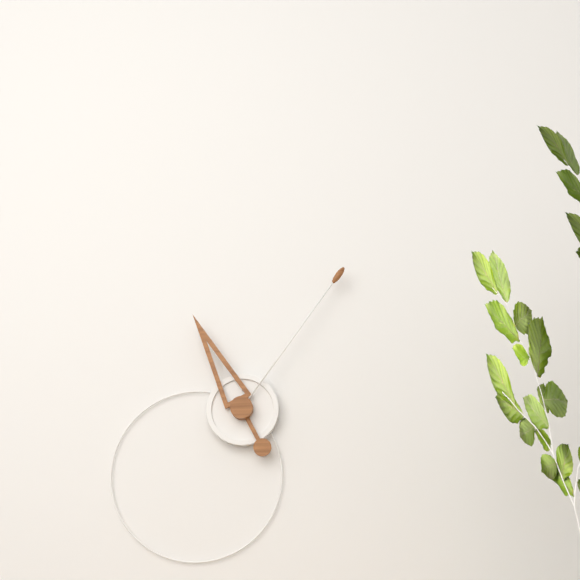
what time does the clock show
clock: 11:06
